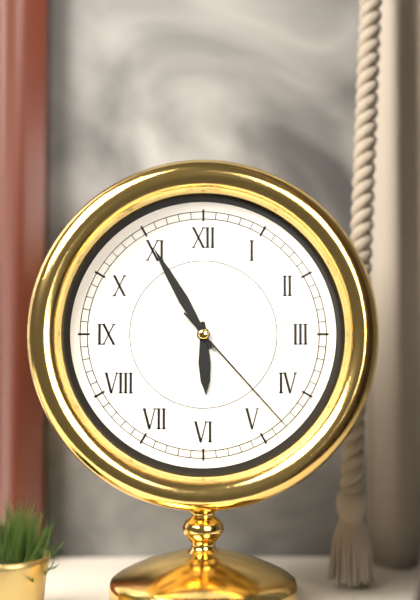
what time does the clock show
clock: 5:55:23
